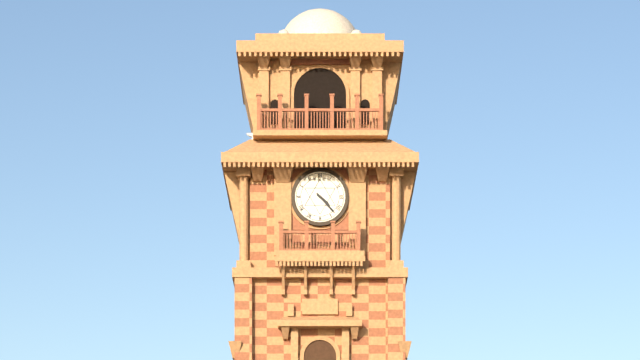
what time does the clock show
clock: 4:23
